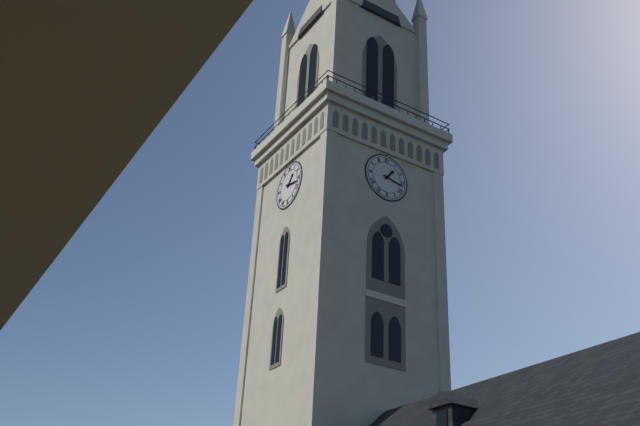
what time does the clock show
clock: 1:17
